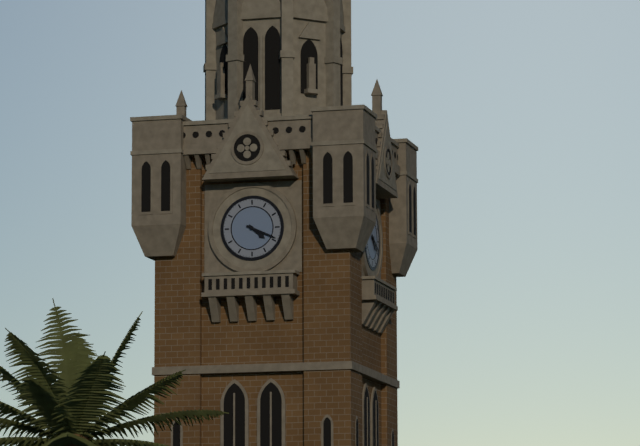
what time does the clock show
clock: 4:19
